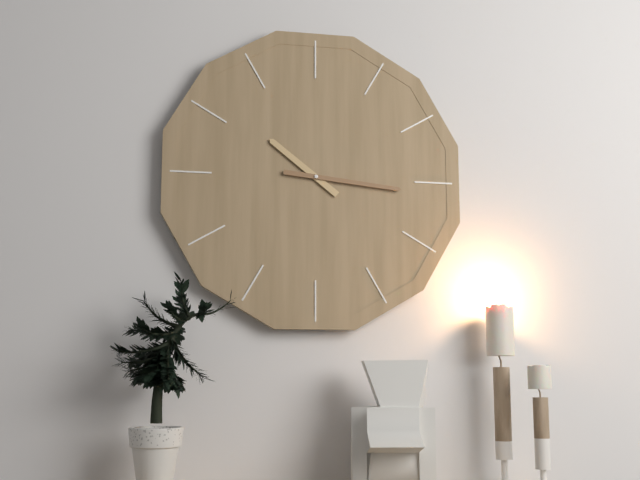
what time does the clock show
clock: 10:16
